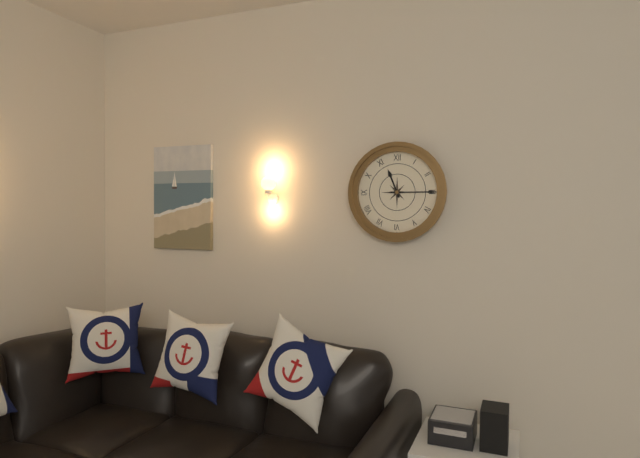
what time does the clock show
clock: 11:15
